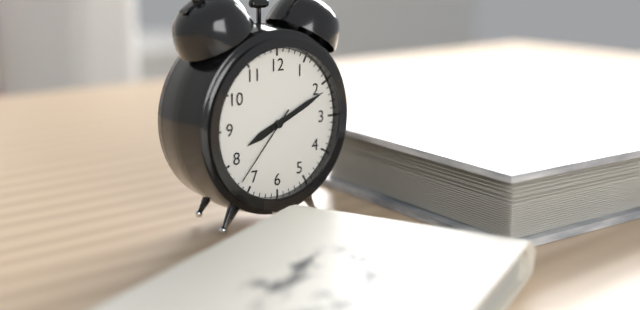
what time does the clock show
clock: 8:11:37
